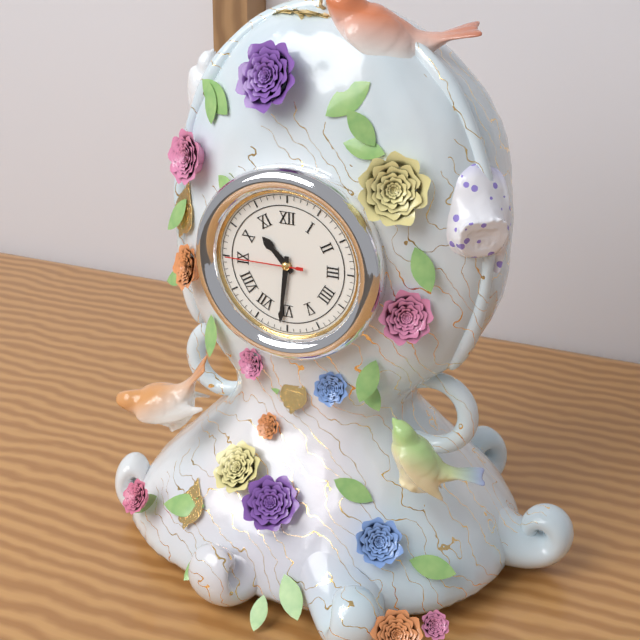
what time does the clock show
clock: 10:31:45
